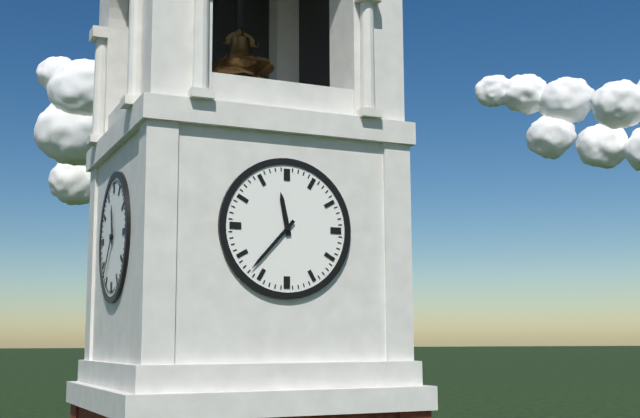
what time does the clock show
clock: 11:37
